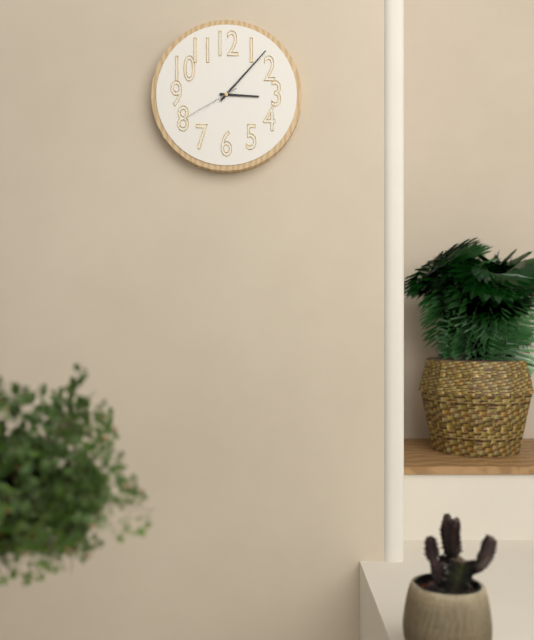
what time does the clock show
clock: 3:07:40
